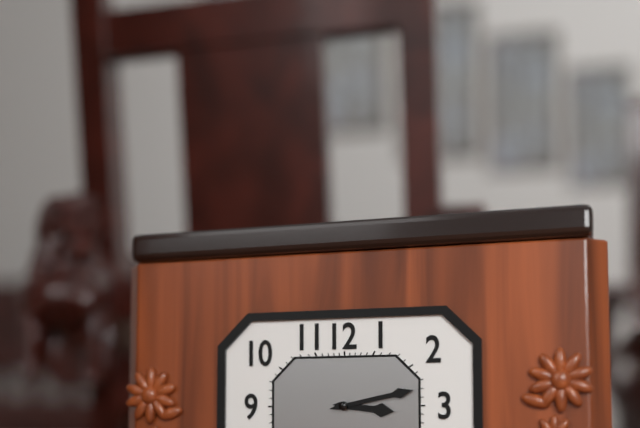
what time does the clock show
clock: 3:13
